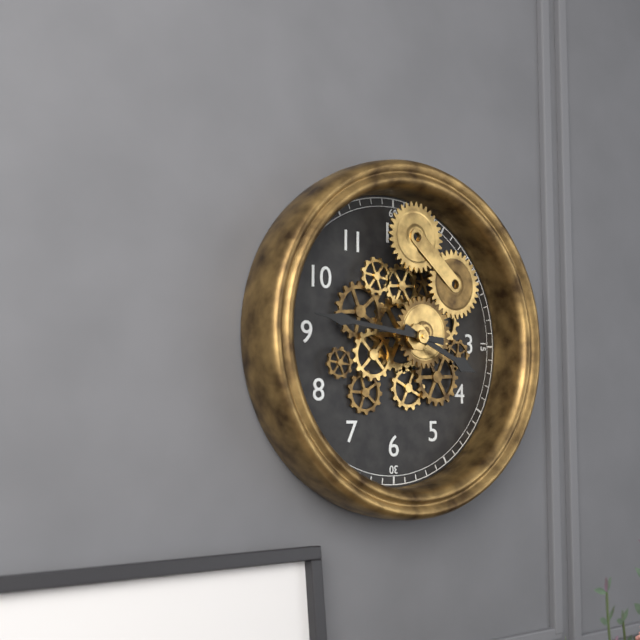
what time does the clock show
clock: 3:46
